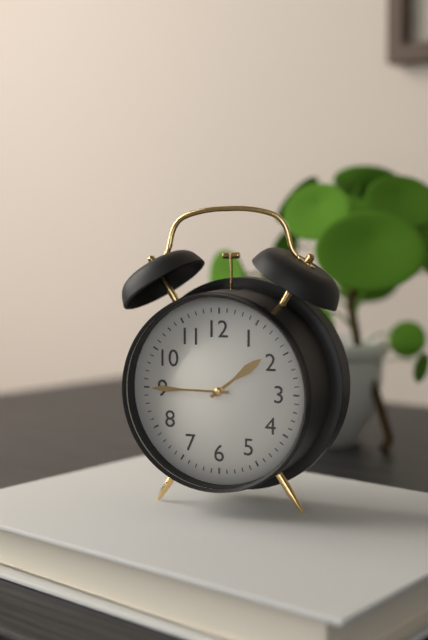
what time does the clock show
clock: 1:45
